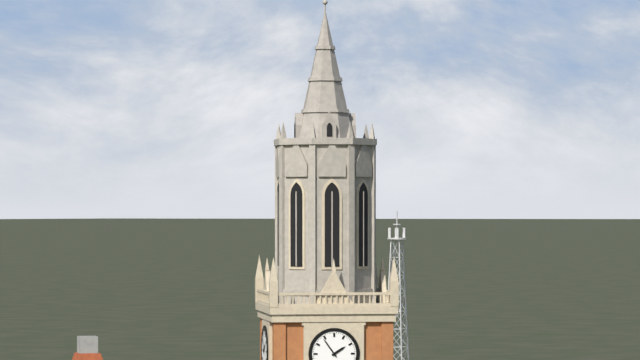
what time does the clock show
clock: 1:54
